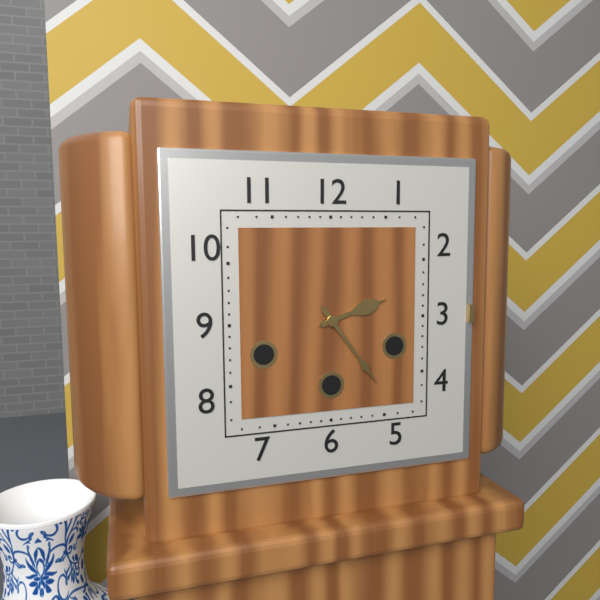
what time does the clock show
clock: 2:24
